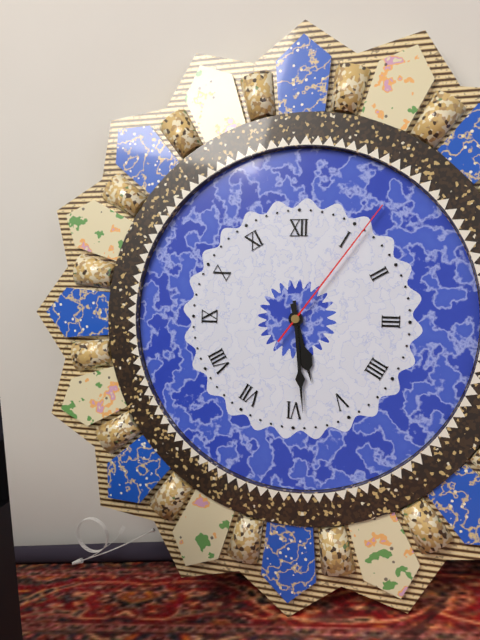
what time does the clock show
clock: 5:29:06
